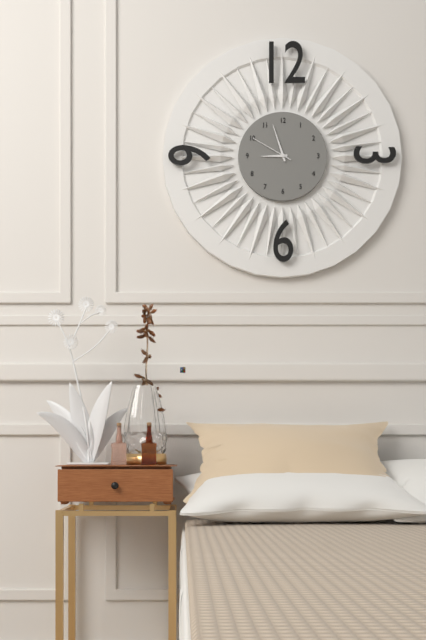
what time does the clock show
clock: 8:57
